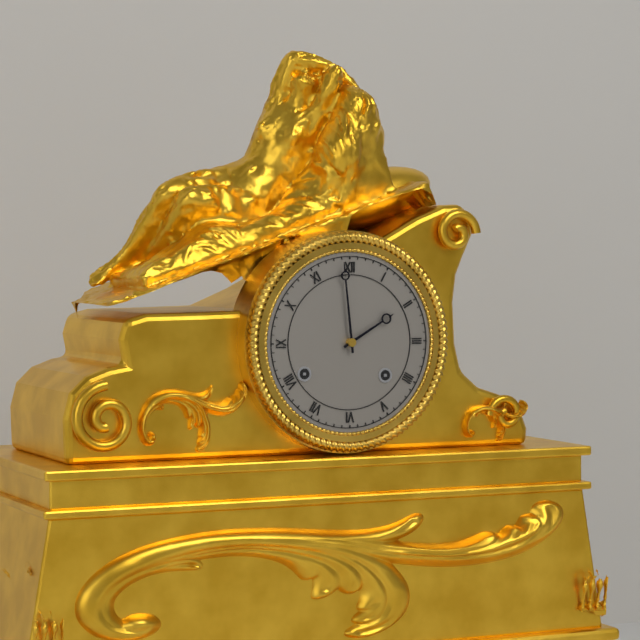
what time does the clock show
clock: 1:59
